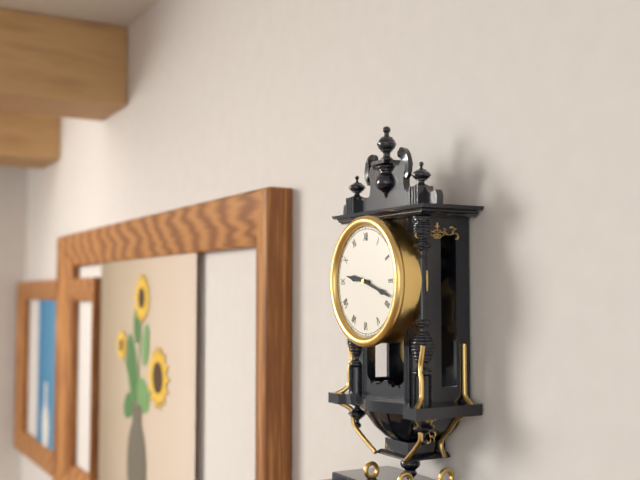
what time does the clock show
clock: 9:18
